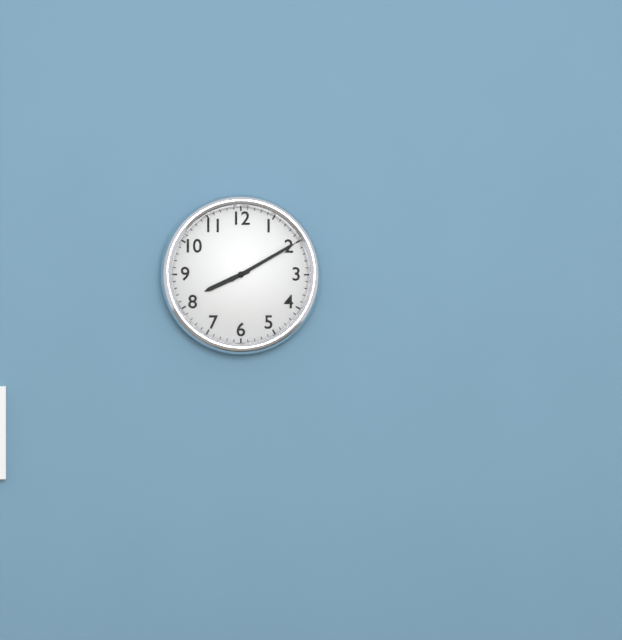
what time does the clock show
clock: 8:10
